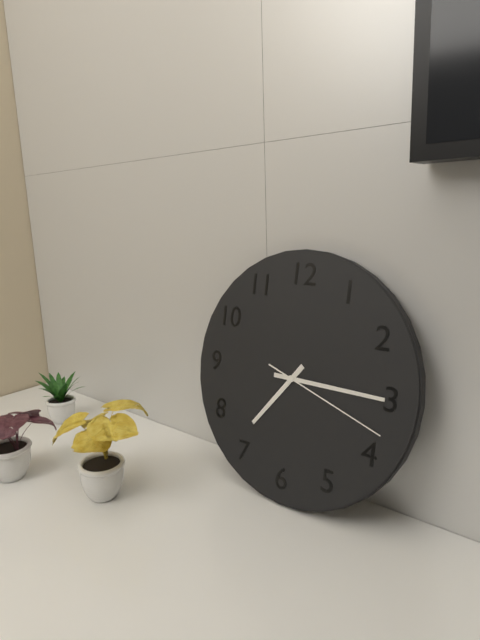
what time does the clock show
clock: 7:15:18
